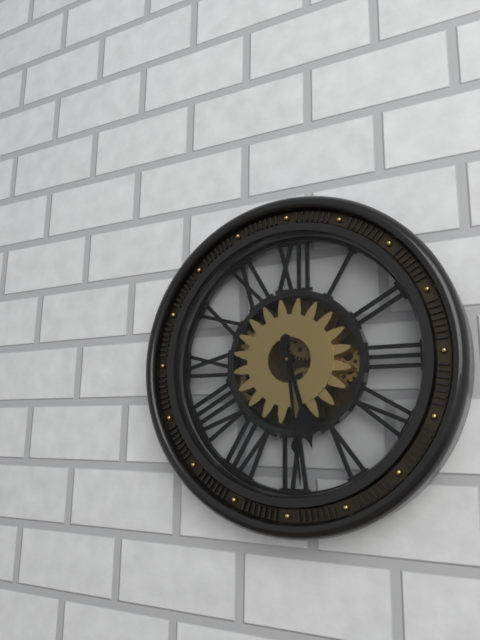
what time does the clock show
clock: 5:29
